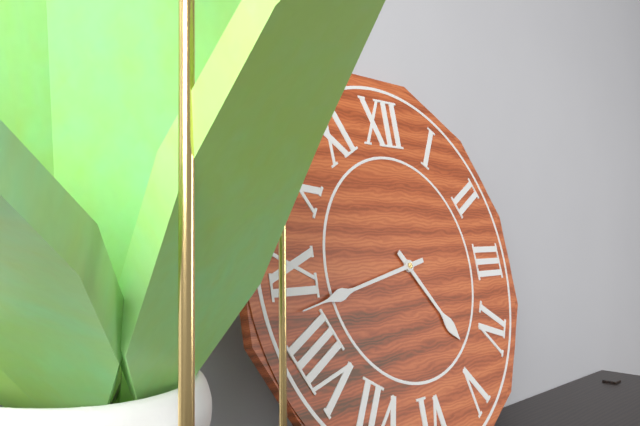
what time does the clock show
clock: 4:43
